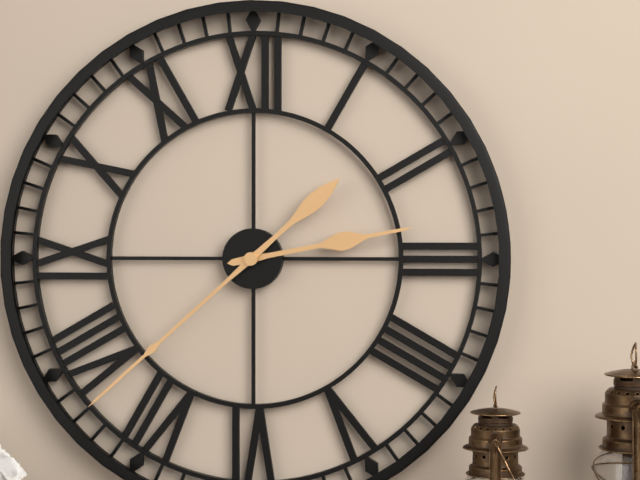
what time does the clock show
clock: 2:38
